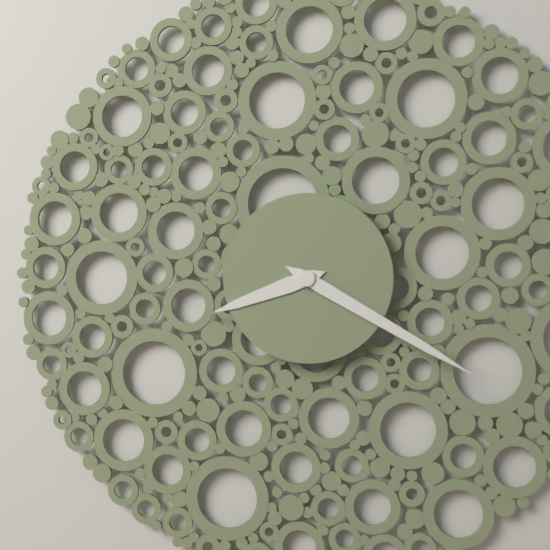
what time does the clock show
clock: 8:20
